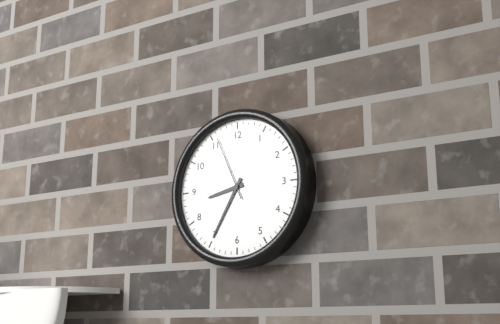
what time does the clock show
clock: 8:35:56
